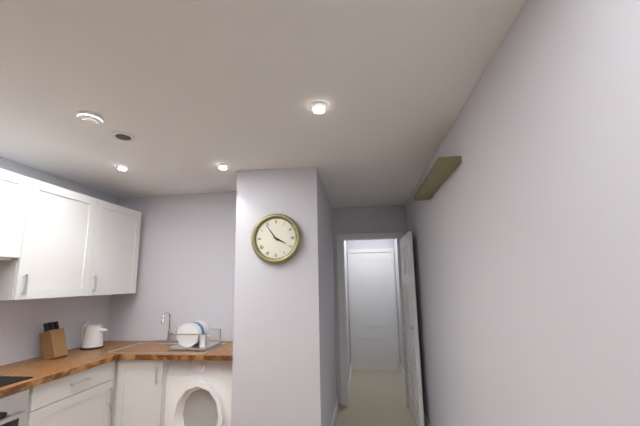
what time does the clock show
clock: 3:54
